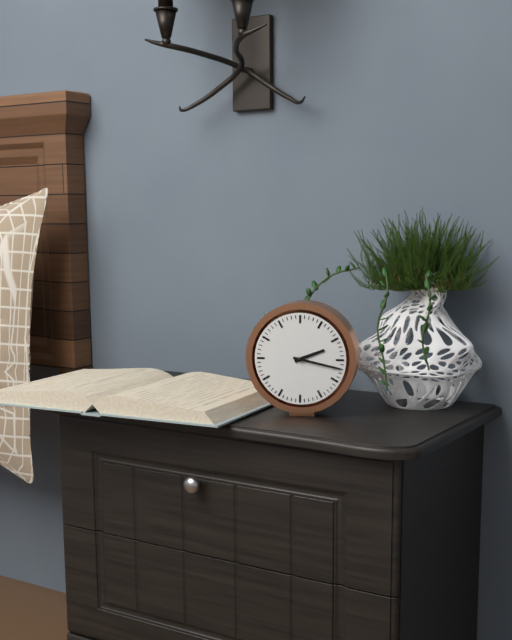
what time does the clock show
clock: 2:17
